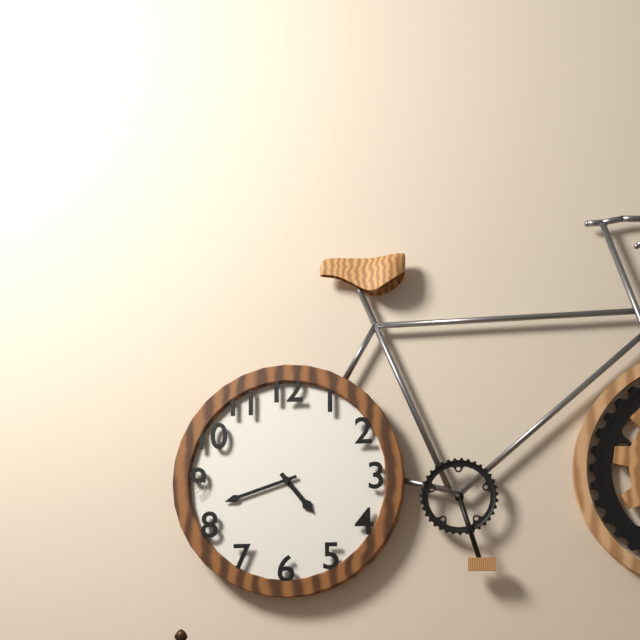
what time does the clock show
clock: 4:42
